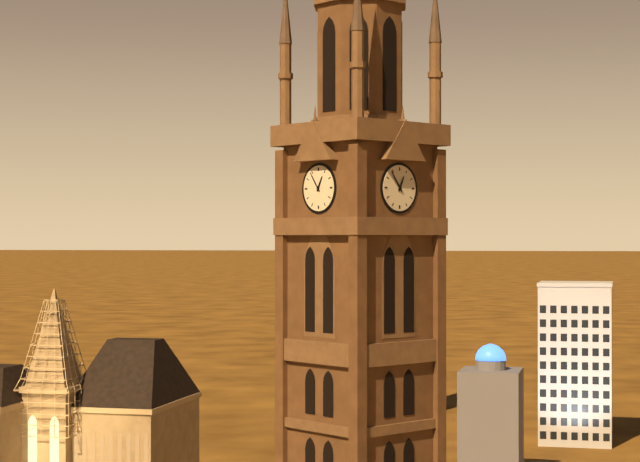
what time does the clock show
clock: 12:54
